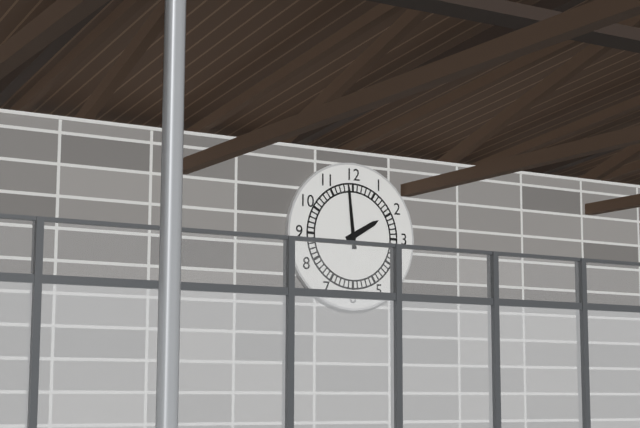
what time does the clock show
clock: 1:59
